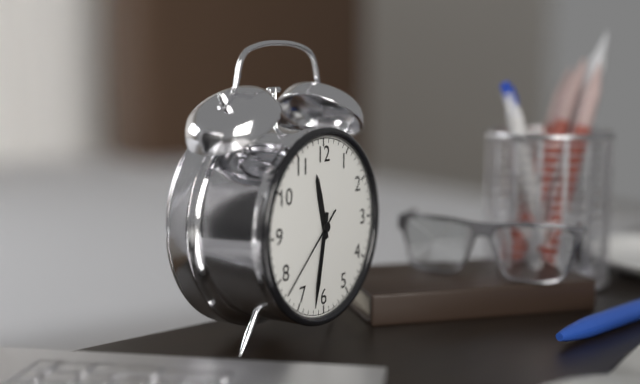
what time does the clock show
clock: 11:32:38
